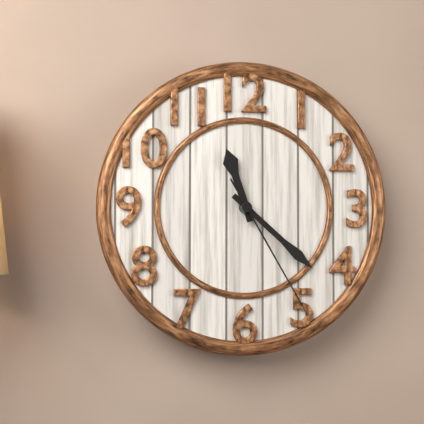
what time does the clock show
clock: 11:22:25
